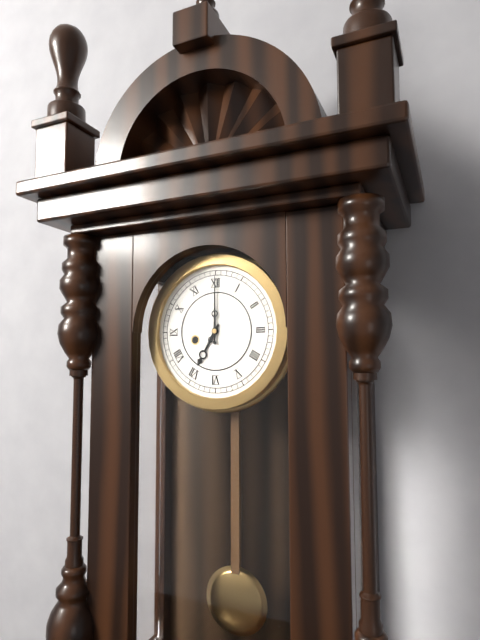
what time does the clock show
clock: 7:00
